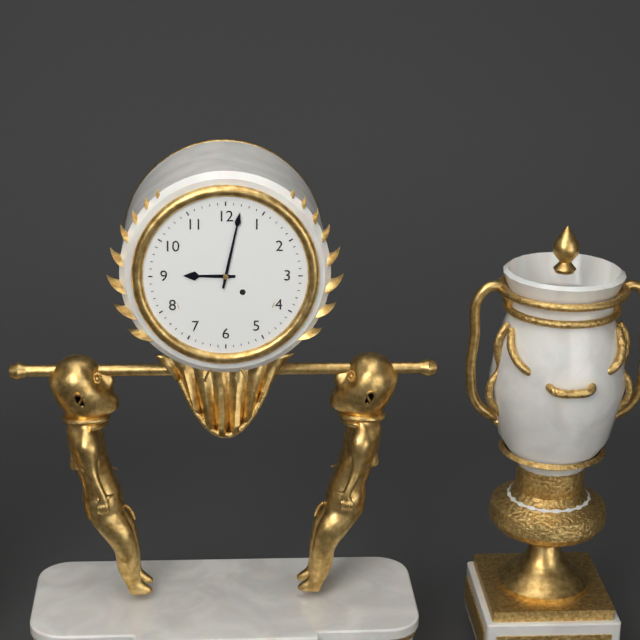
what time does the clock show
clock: 9:02
